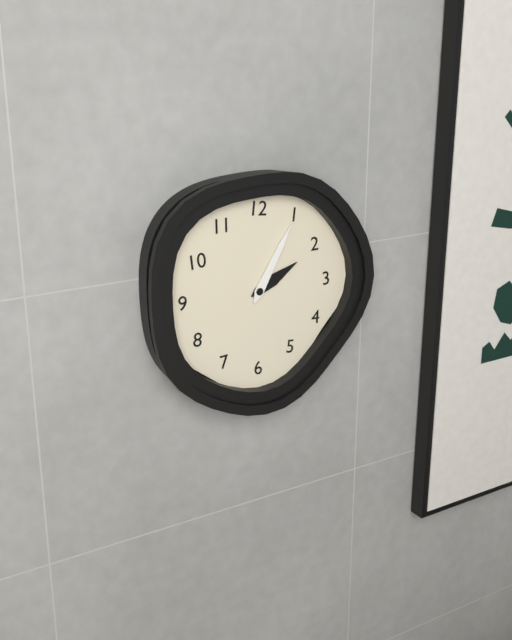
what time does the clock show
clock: 2:05
